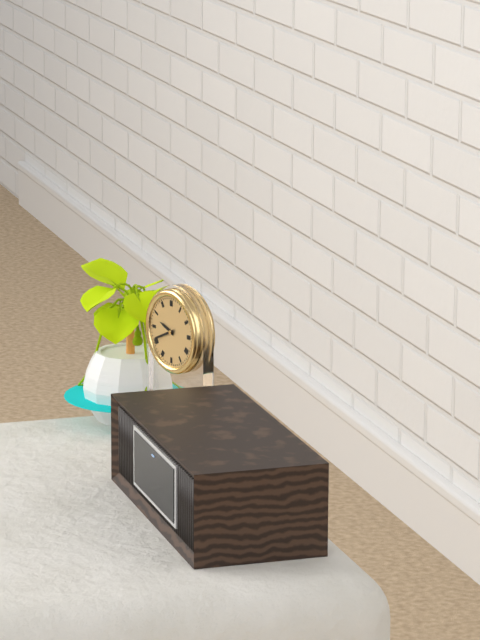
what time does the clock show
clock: 9:41
